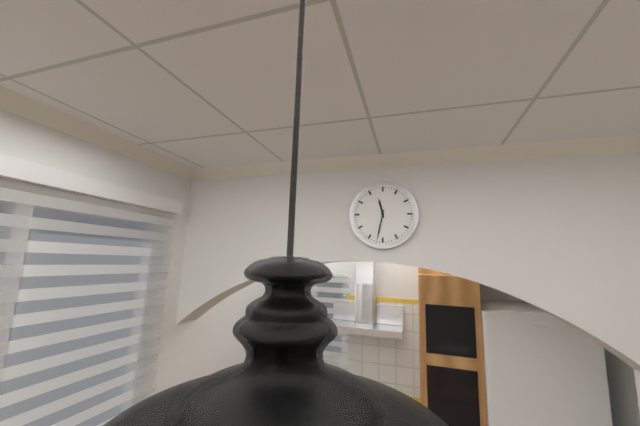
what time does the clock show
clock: 11:32
